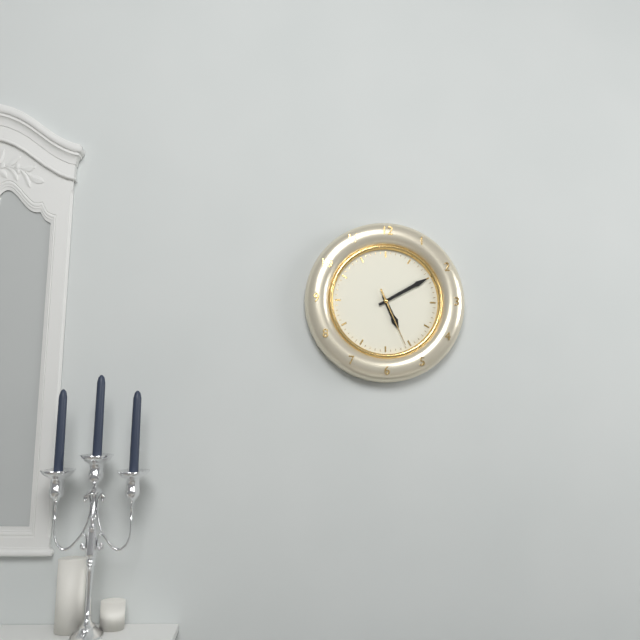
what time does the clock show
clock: 5:10:26
